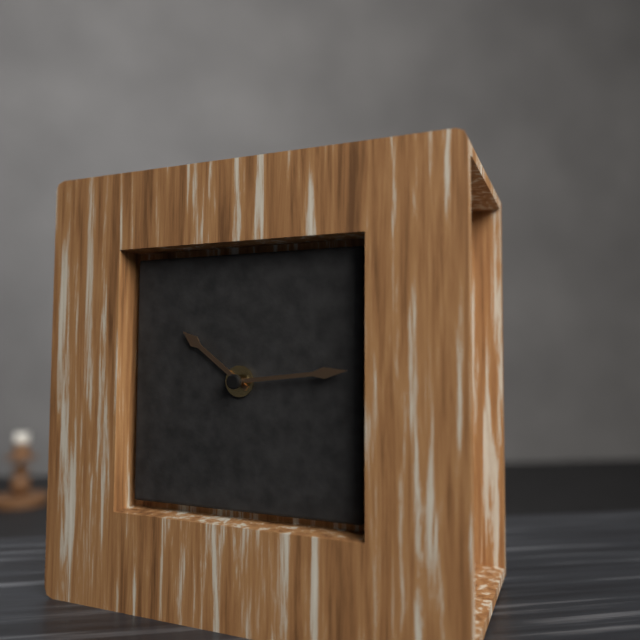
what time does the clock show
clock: 10:14
